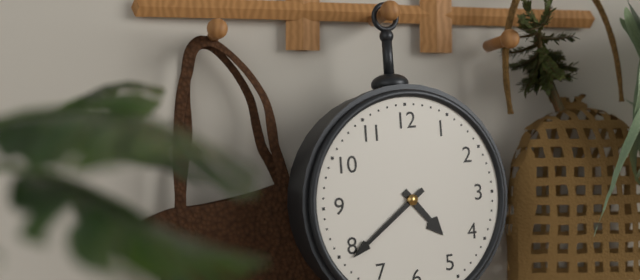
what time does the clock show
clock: 4:39
